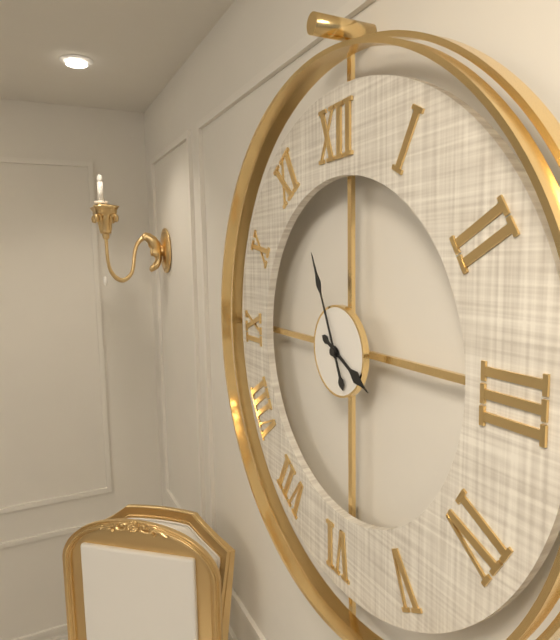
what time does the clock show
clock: 3:56
